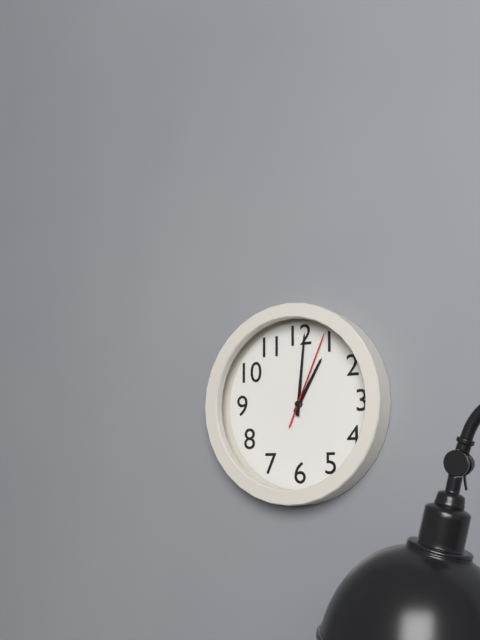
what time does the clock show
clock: 1:01:04
